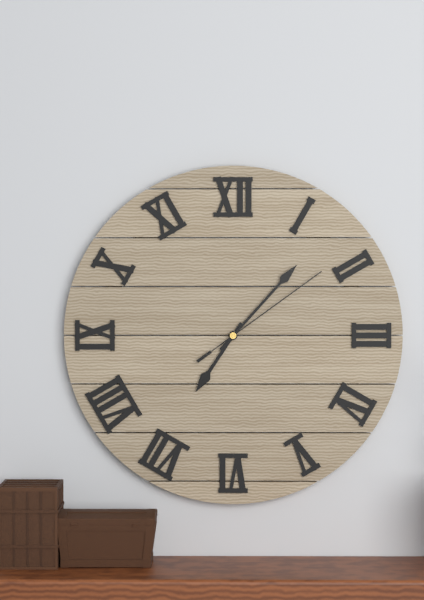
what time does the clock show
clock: 7:07:09
